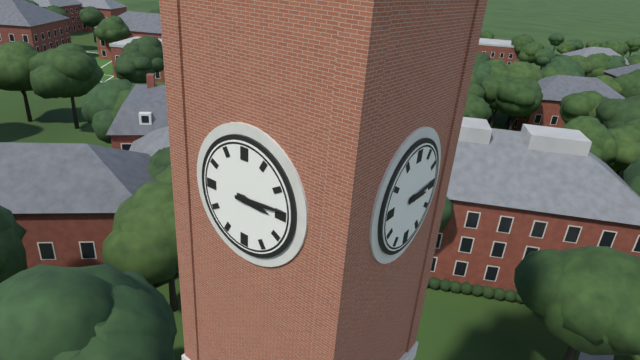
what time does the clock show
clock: 3:14
